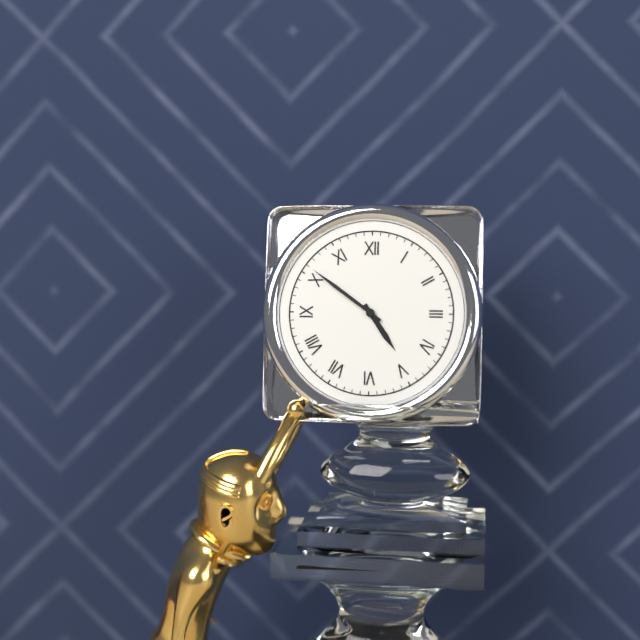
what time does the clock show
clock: 4:51
